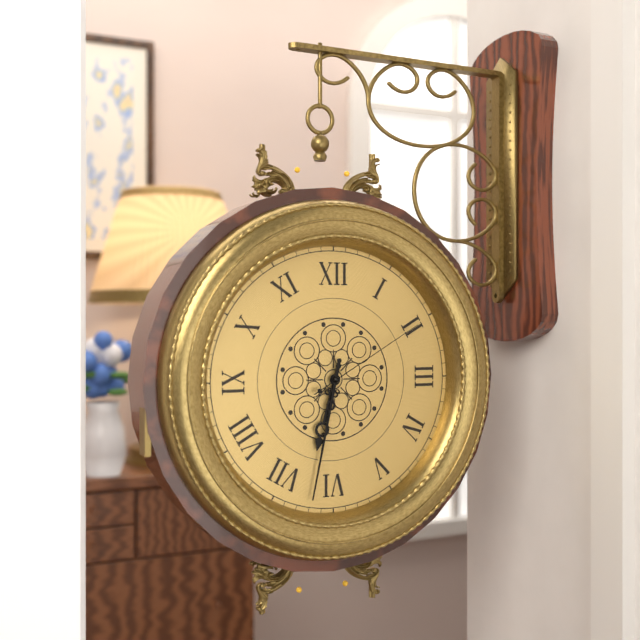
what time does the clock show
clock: 6:32:10
